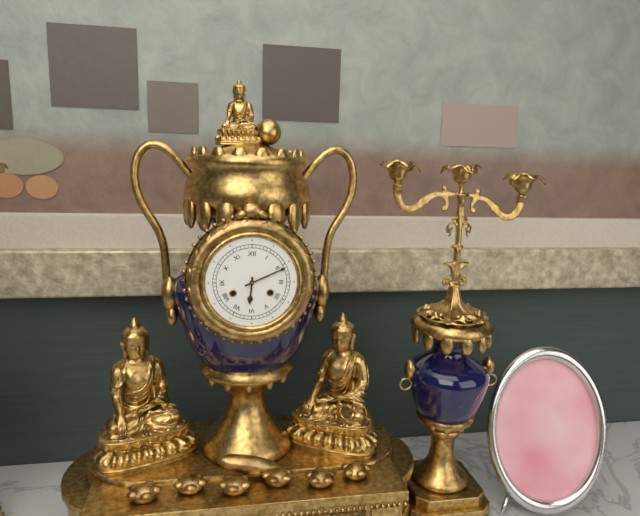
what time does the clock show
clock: 6:11
